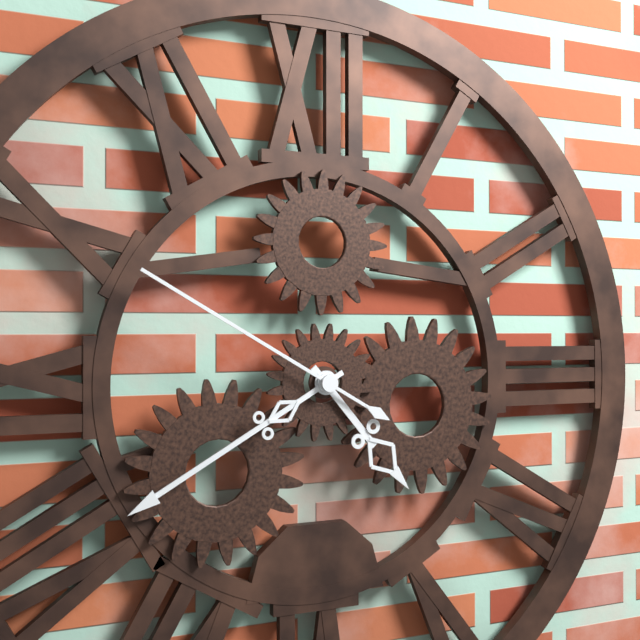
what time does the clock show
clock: 4:40:50
